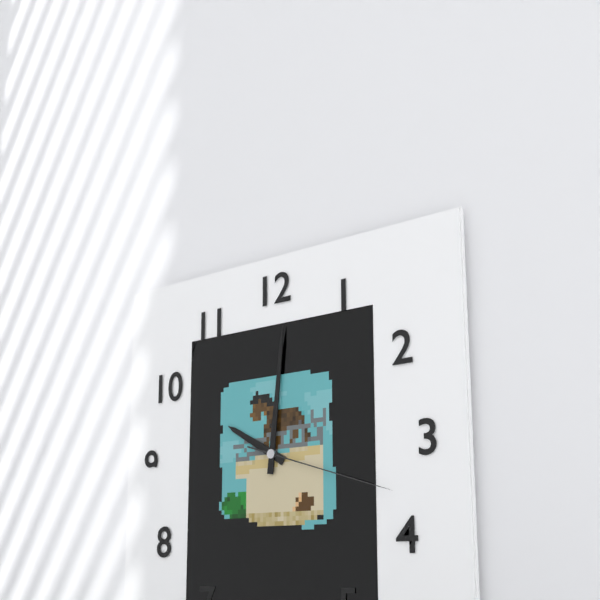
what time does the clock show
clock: 10:01:18
